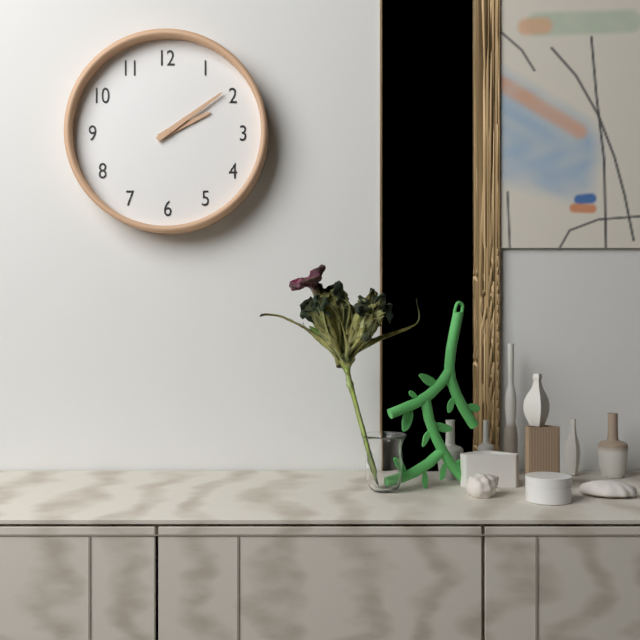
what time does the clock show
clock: 2:09
